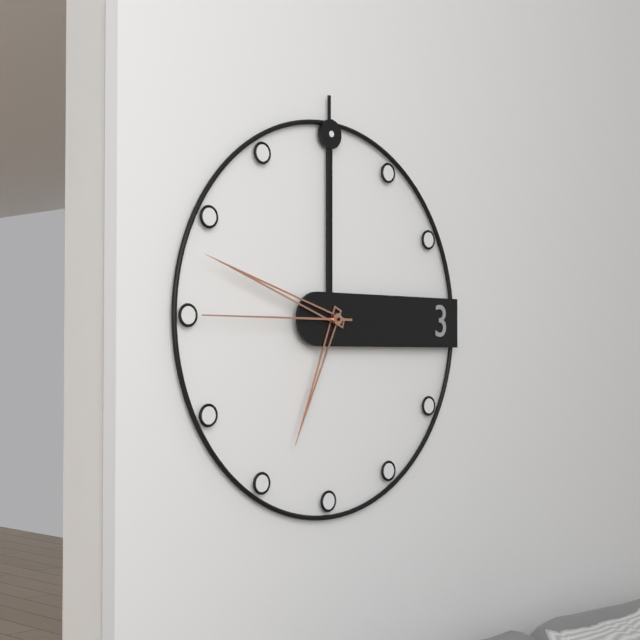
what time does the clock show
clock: 6:48:45
